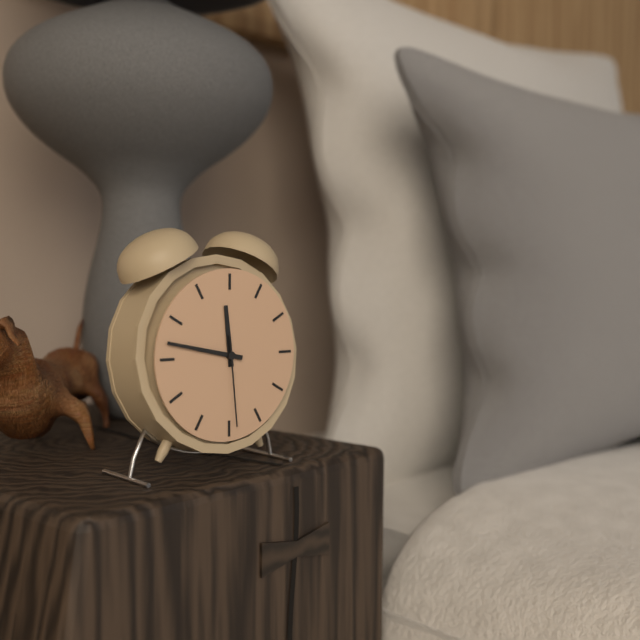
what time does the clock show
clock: 11:47:29
